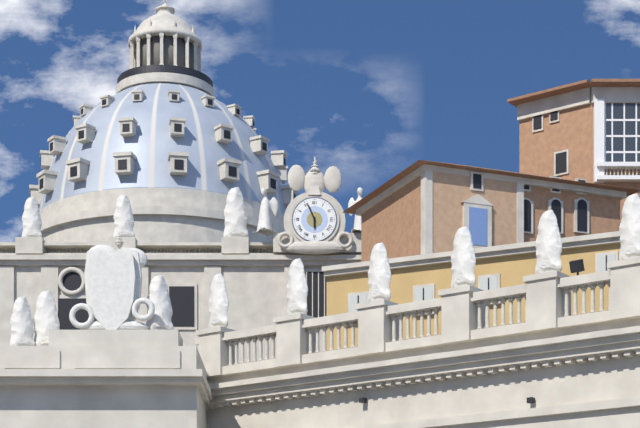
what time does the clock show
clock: 5:56
